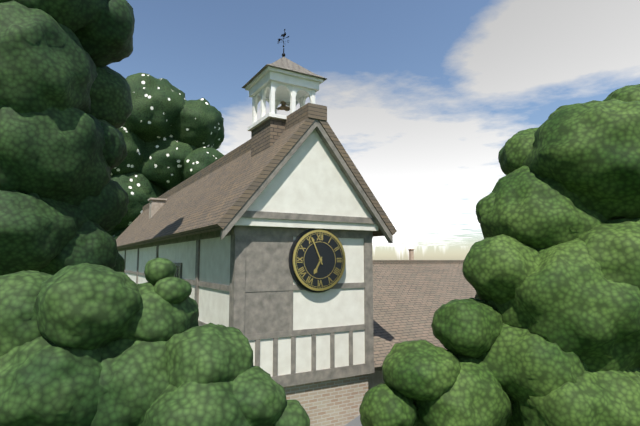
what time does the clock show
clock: 6:56
